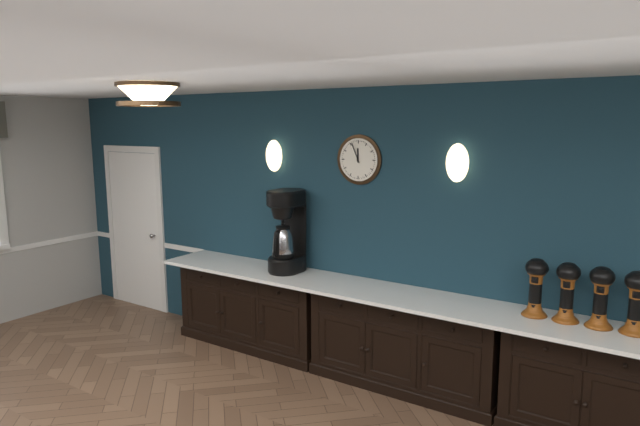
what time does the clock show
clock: 11:56
